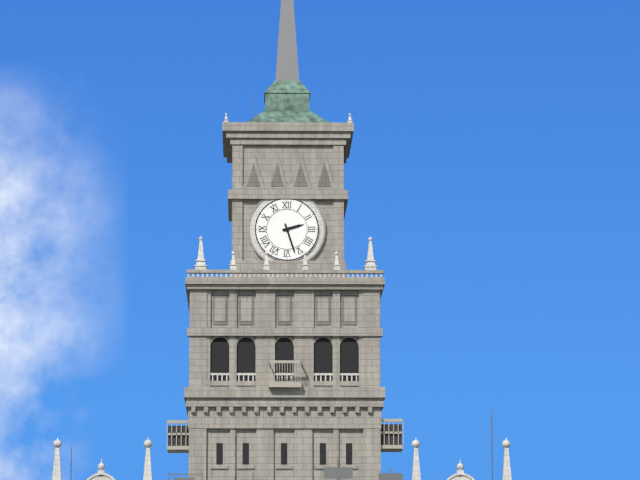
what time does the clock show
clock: 2:27
